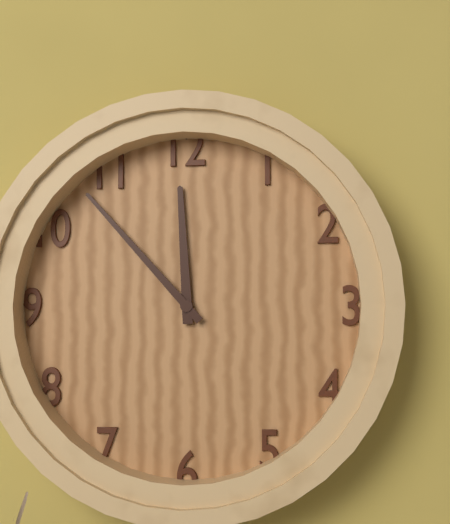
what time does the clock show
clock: 11:53
